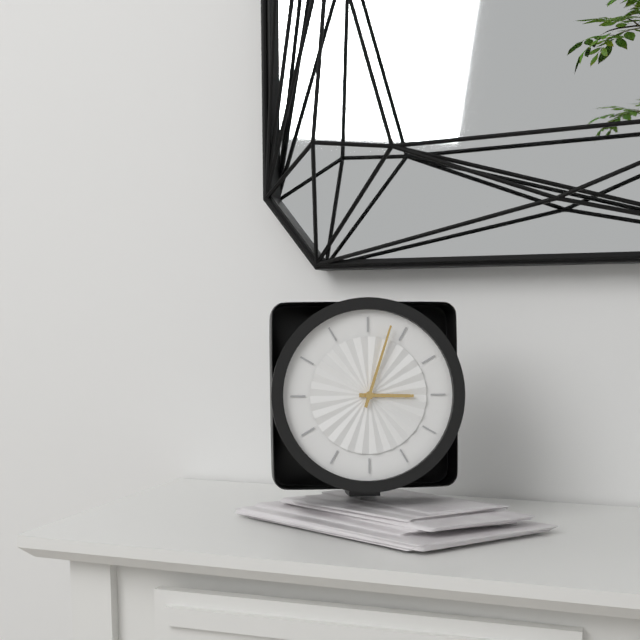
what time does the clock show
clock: 3:03
